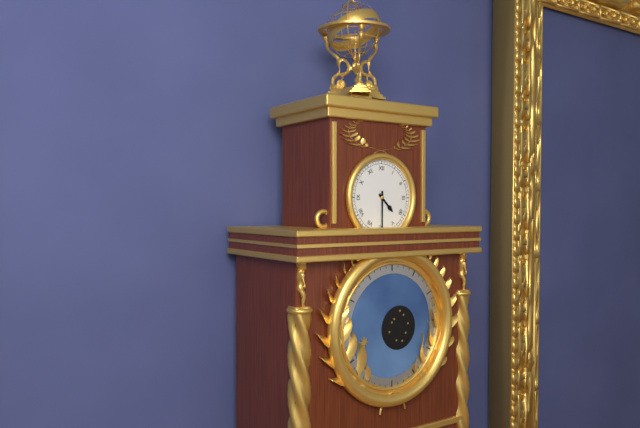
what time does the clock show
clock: 4:30
